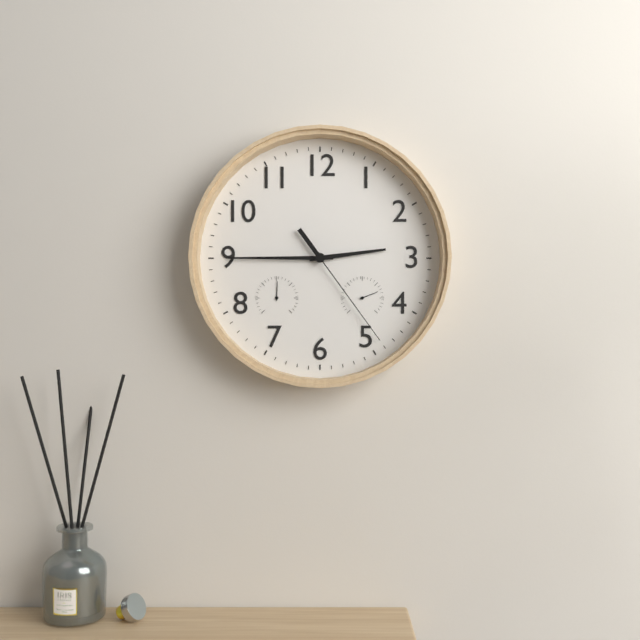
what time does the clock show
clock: 2:45:24
